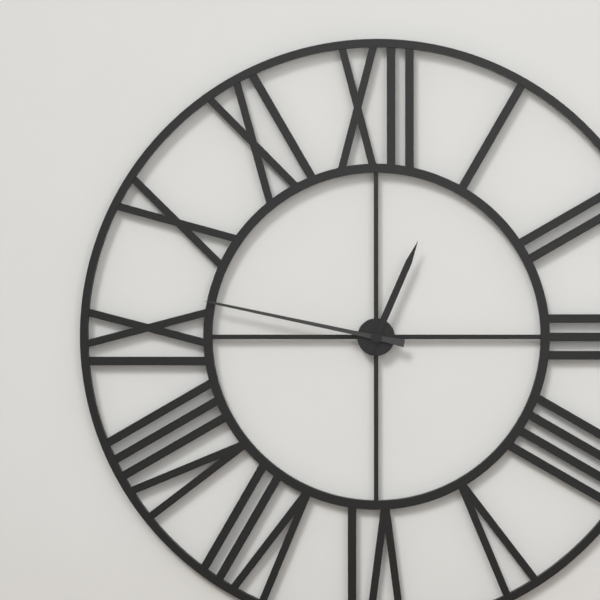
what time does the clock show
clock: 12:47
